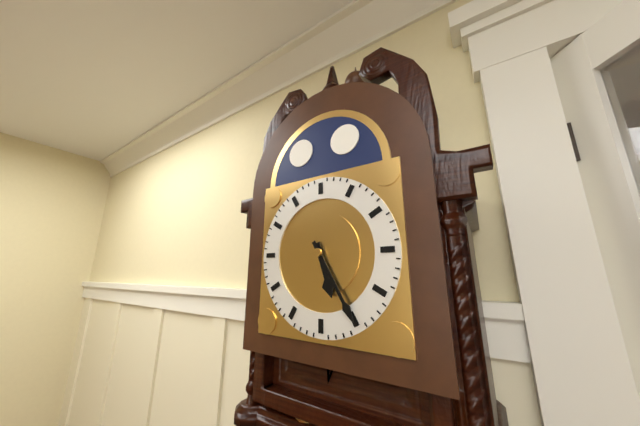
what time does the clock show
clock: 5:25
